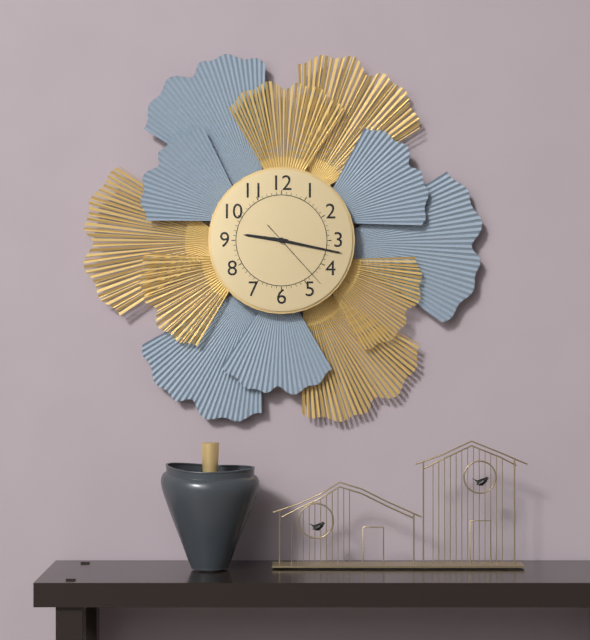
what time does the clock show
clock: 9:17:23
